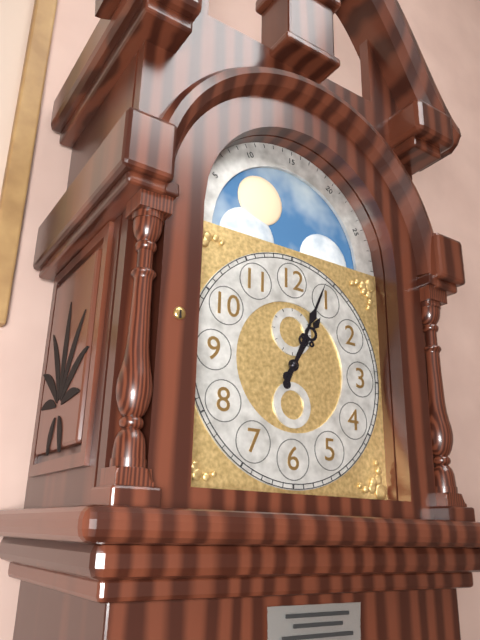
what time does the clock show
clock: 1:04
